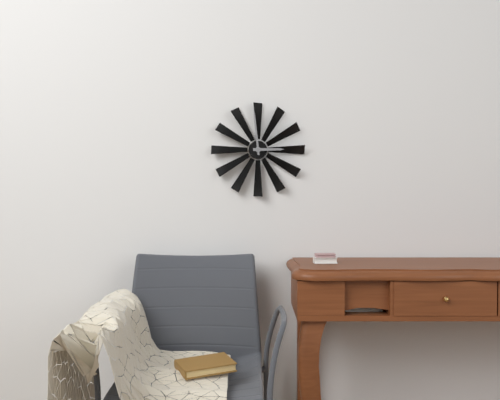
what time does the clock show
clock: 2:59
